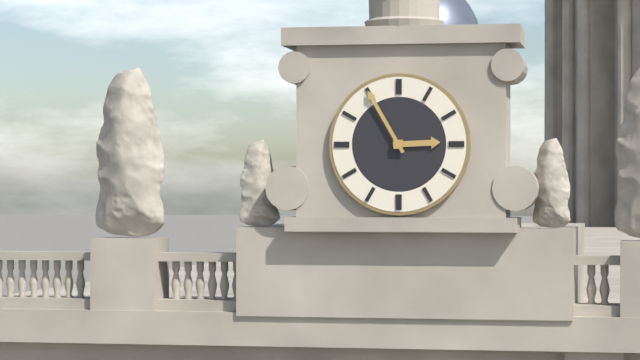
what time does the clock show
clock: 2:55
